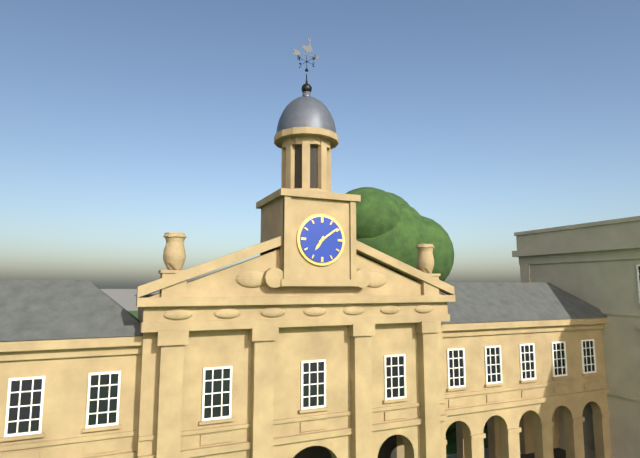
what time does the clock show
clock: 7:09
